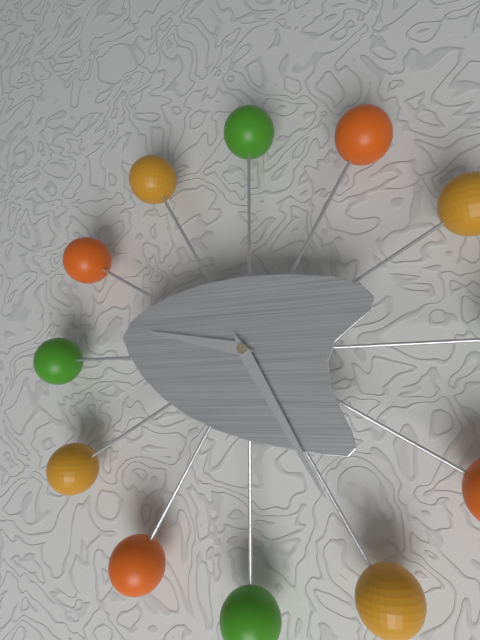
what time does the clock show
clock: 9:25
